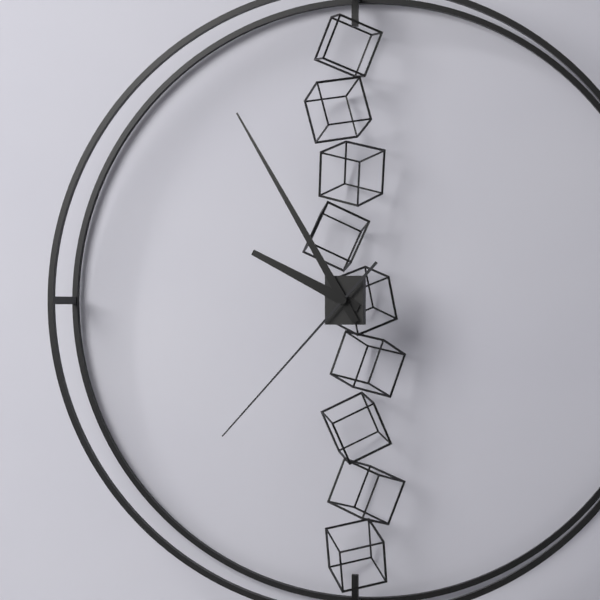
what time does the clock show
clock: 9:55:37
